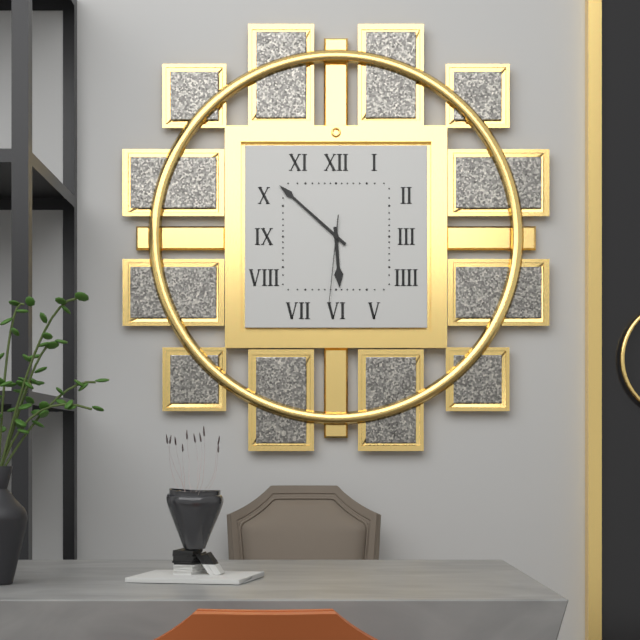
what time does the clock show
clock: 5:52:31
